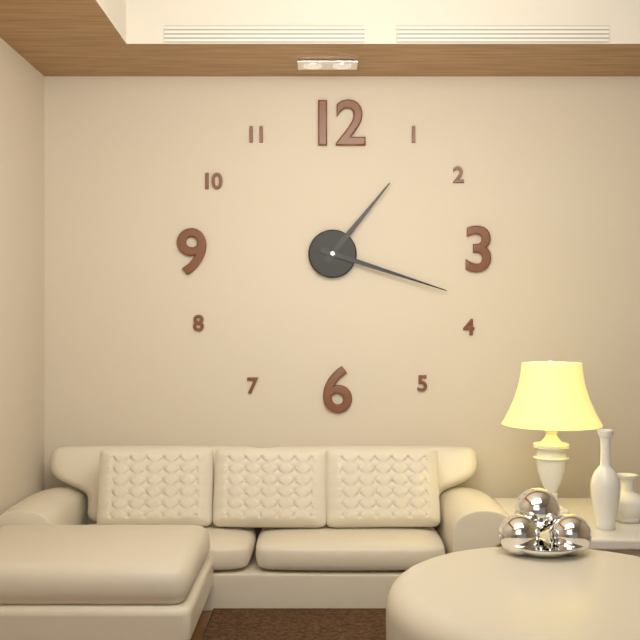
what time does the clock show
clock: 1:18
